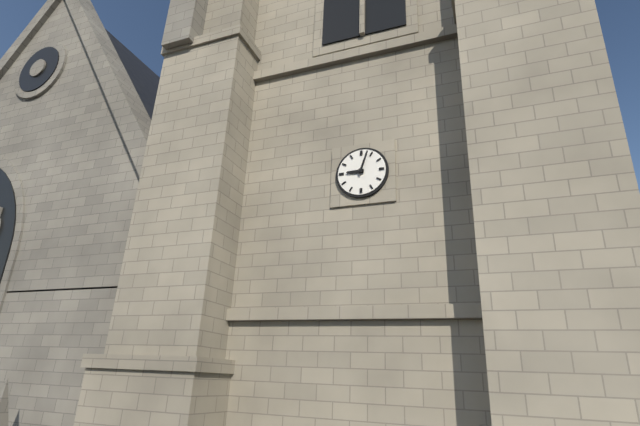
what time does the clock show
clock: 9:03
